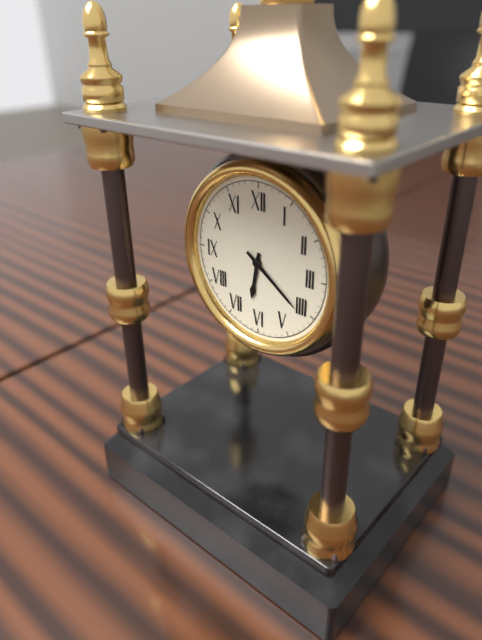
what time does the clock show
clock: 6:21
